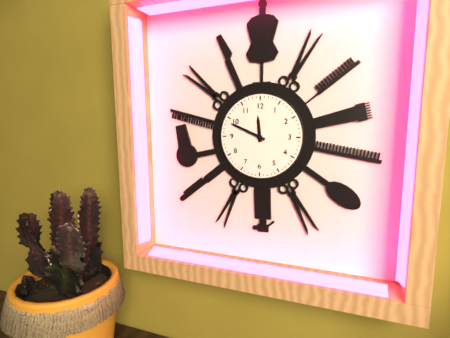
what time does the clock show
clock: 11:49
